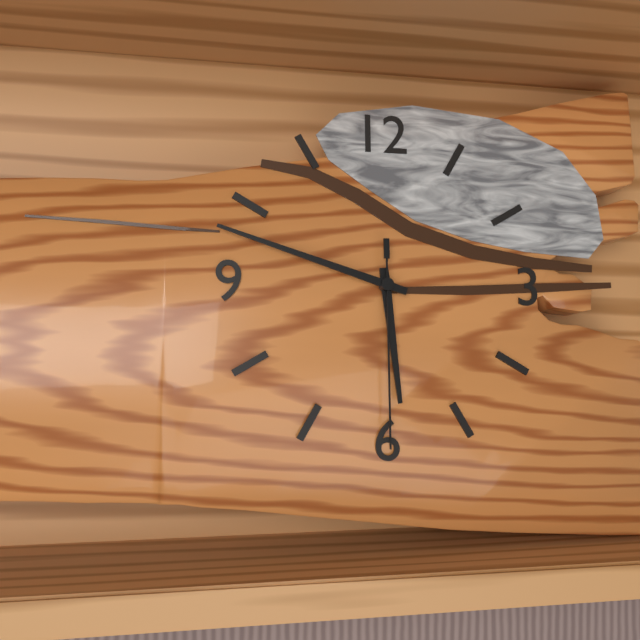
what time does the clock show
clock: 5:48:30
